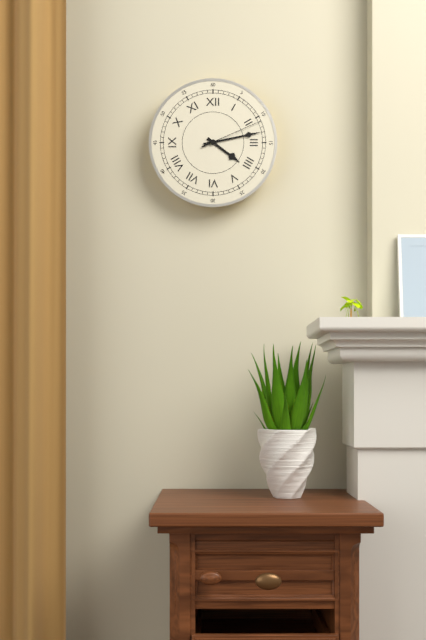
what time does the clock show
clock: 4:13:11
